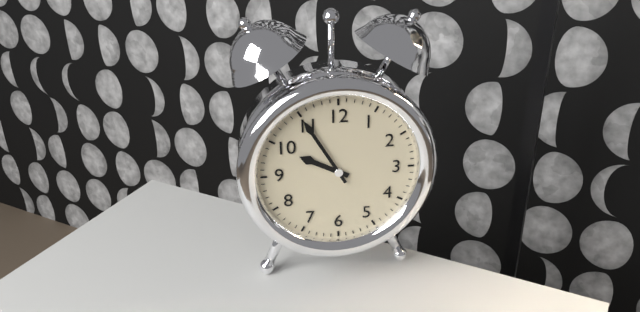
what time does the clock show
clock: 9:55
